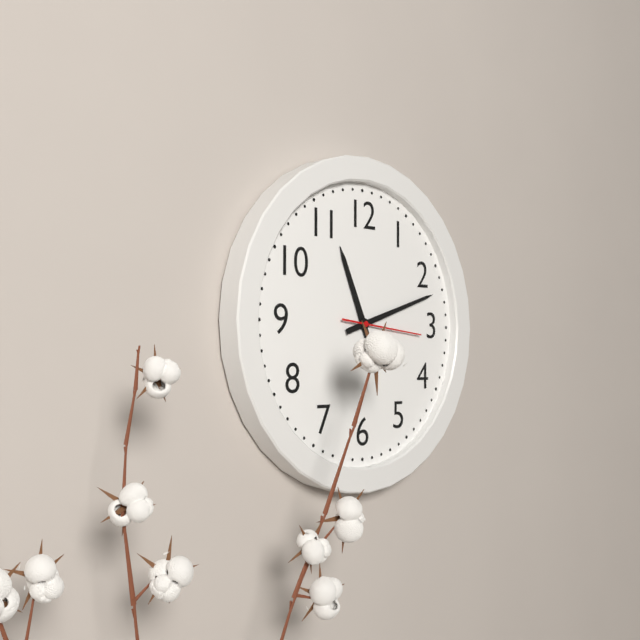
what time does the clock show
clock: 11:12:16
